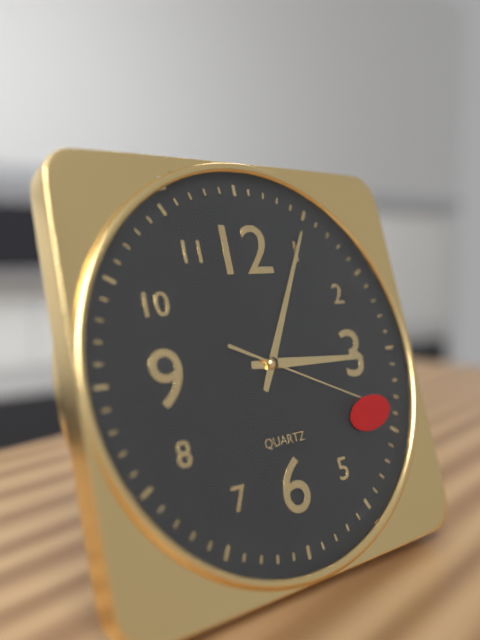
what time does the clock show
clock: 3:05:19
